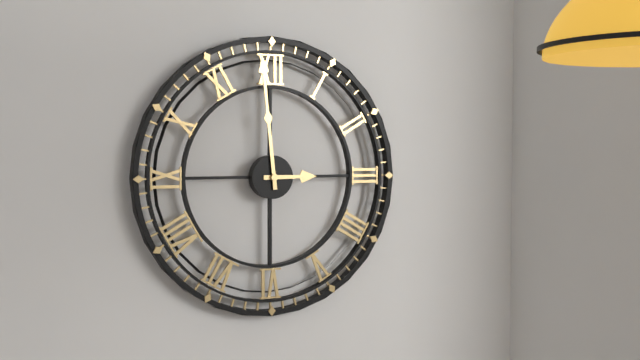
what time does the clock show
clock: 2:59
